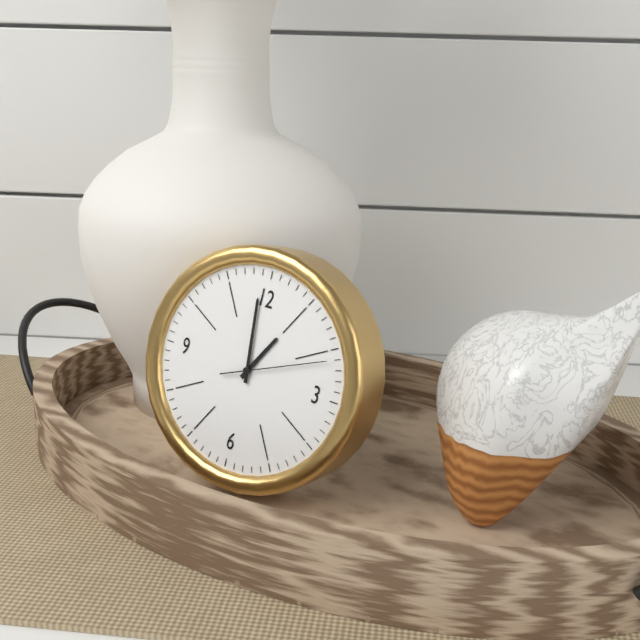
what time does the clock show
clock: 12:59:11
